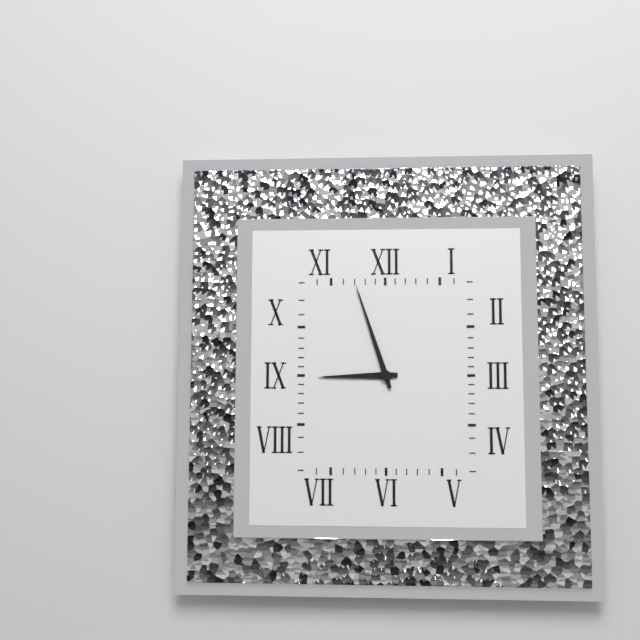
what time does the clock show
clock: 8:57
